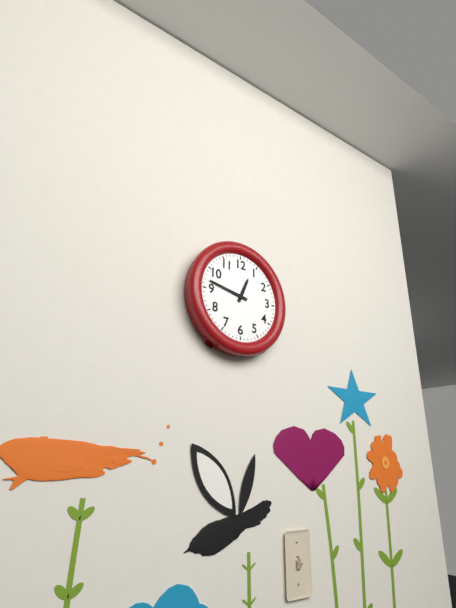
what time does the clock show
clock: 12:47
